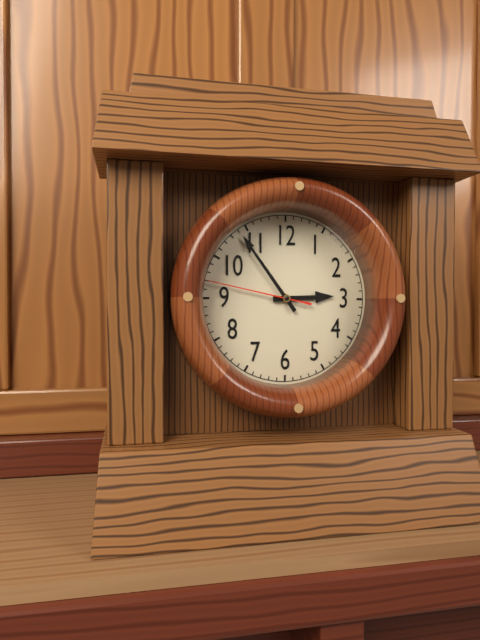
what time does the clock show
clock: 2:54:47
